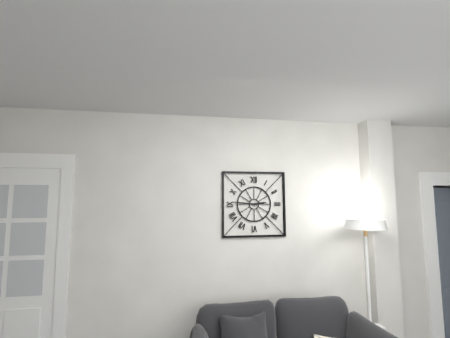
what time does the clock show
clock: 2:46
